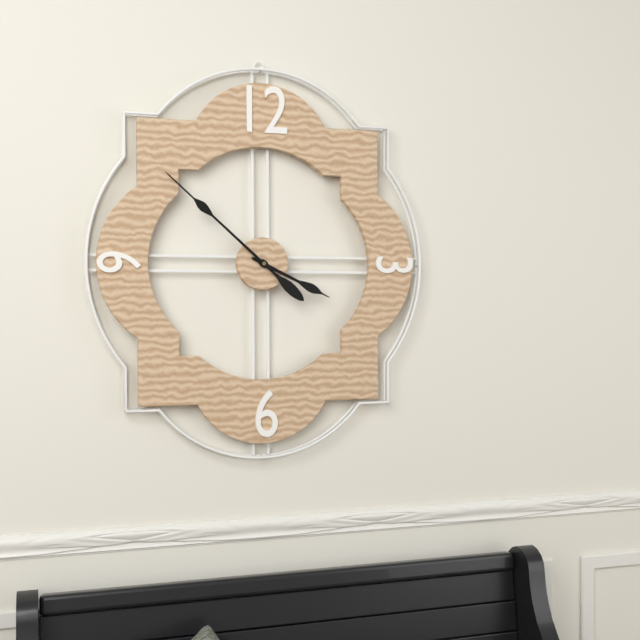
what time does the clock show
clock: 3:52
